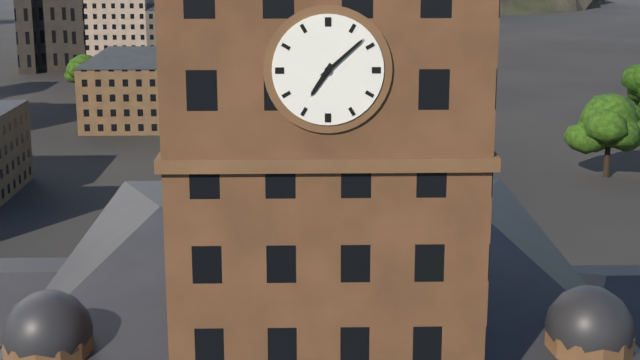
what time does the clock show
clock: 7:08
